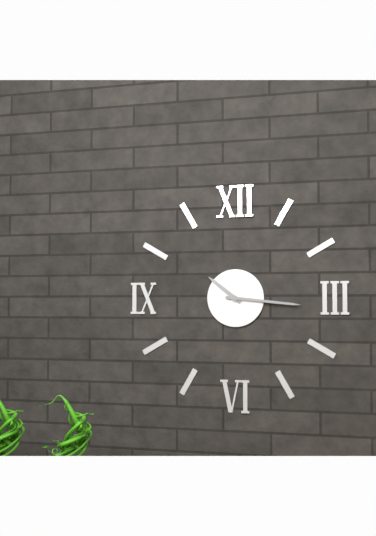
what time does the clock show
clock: 10:16
